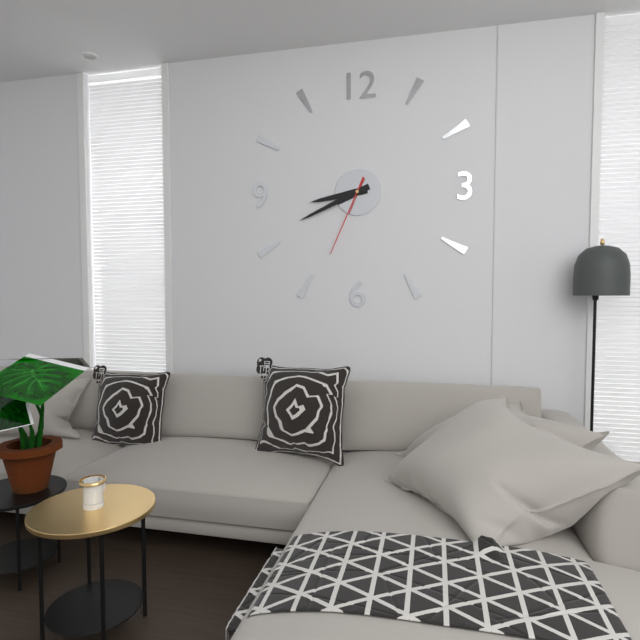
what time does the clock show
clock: 8:41:34
